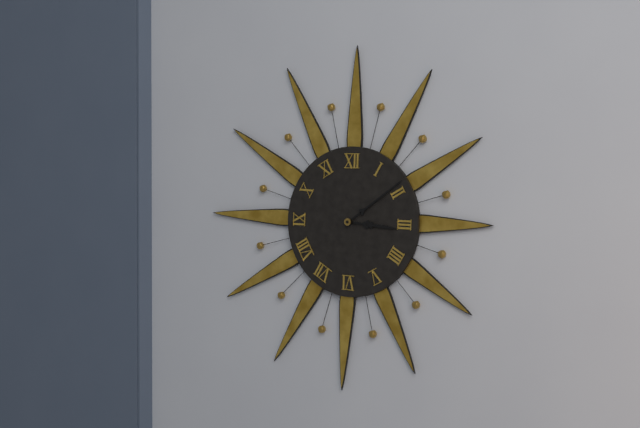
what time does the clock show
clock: 3:09
